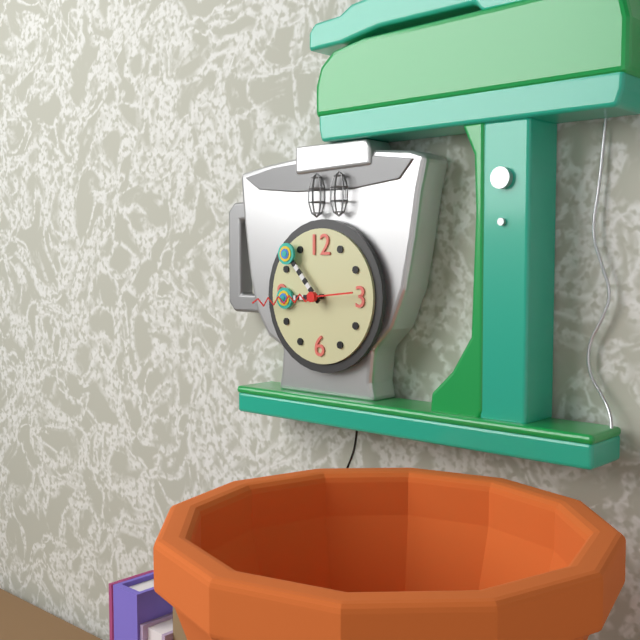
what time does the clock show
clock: 8:53:44
